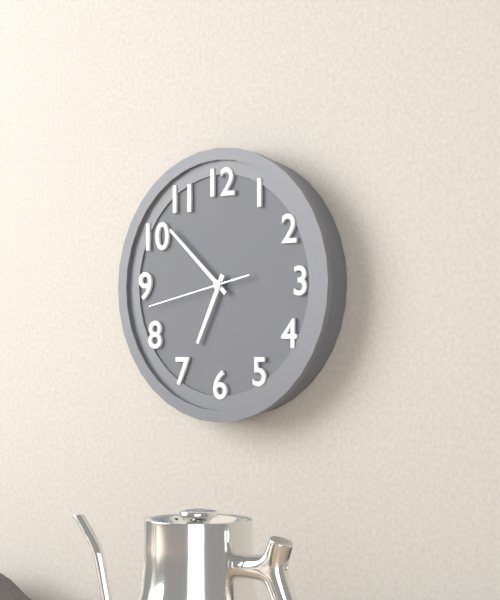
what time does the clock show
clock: 6:52:43
